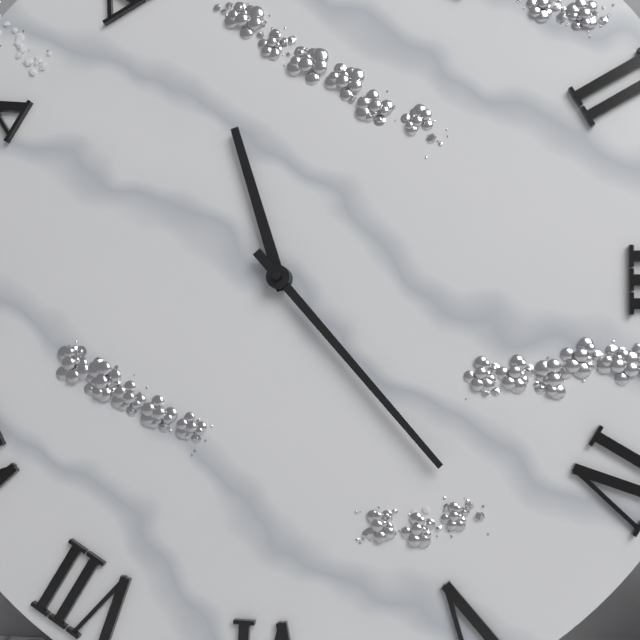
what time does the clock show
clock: 11:23
